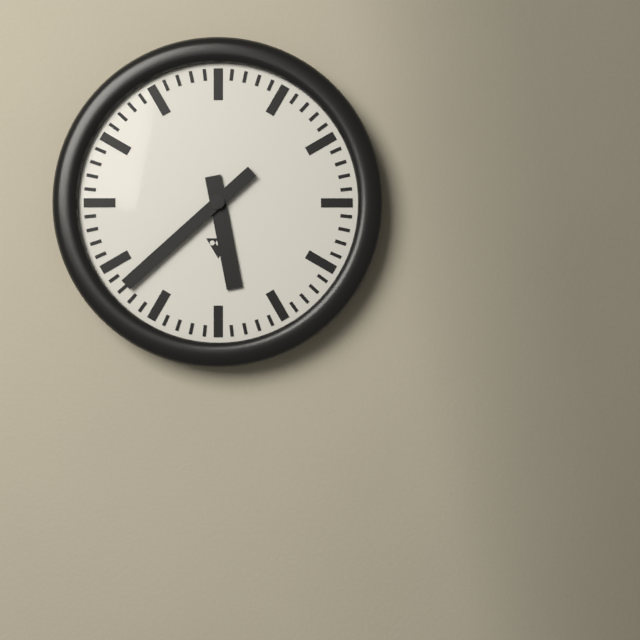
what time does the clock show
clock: 5:38
